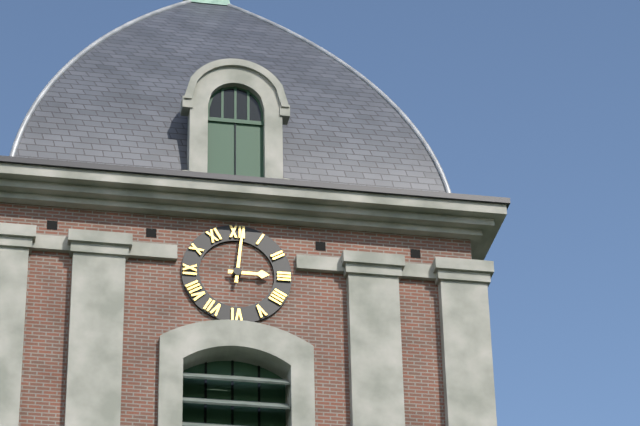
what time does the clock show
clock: 3:01
